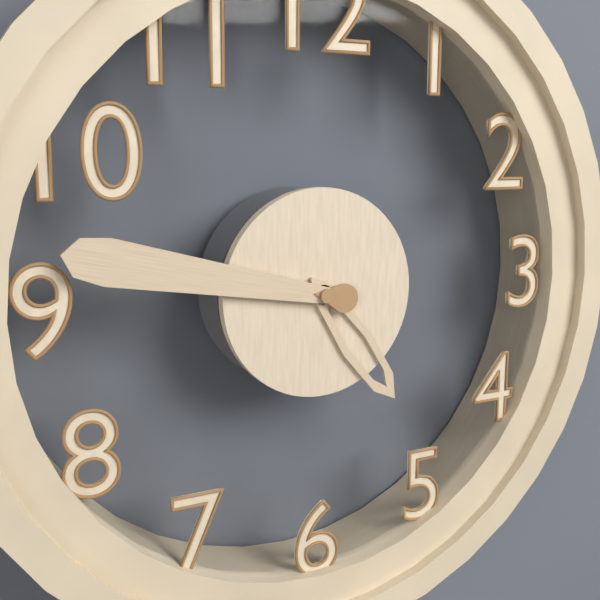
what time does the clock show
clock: 4:47
